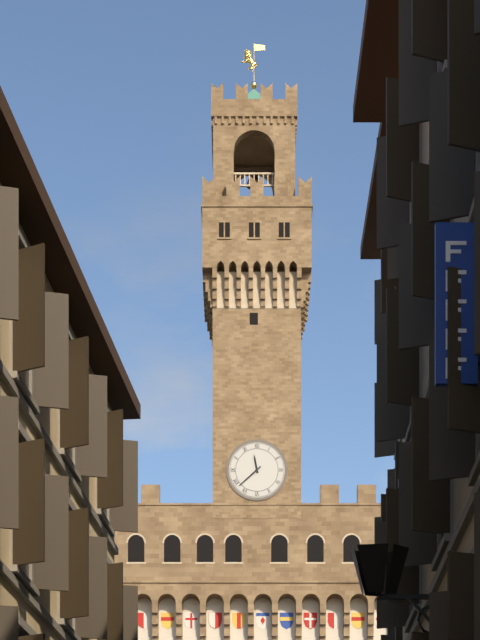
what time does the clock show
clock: 11:38
